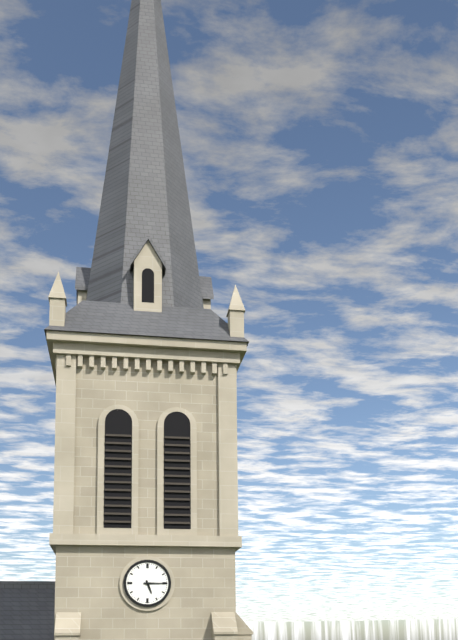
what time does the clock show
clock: 5:15
